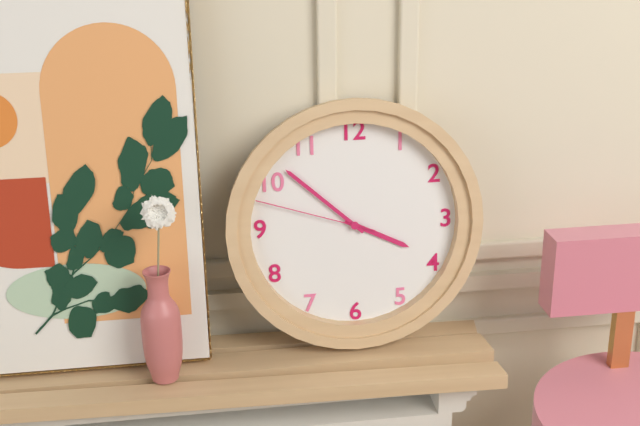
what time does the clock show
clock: 3:52:48
